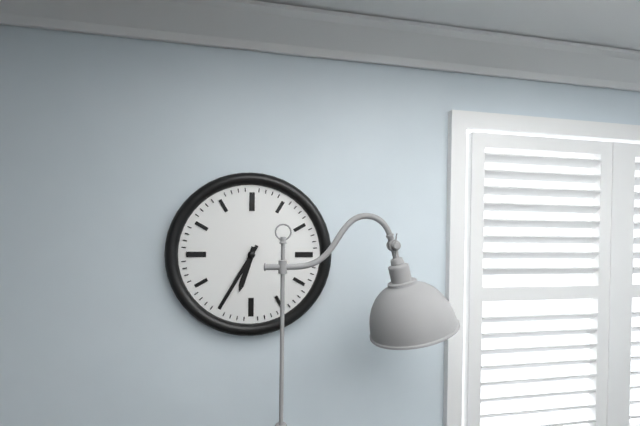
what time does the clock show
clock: 6:35
